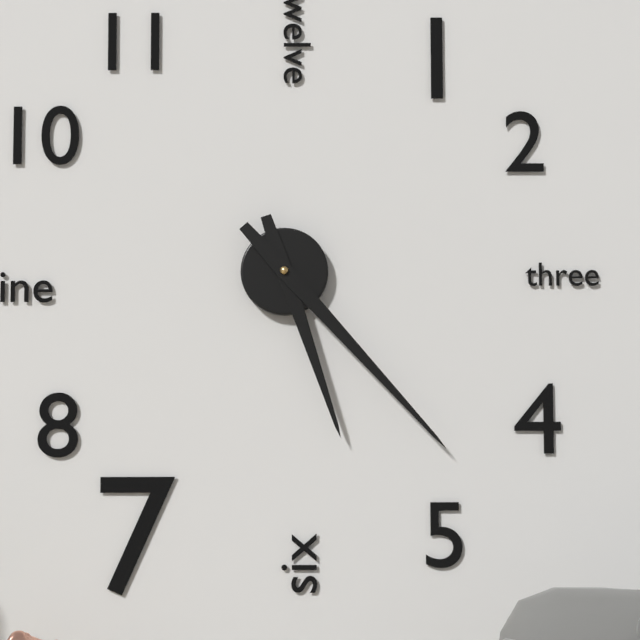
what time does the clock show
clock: 5:23
